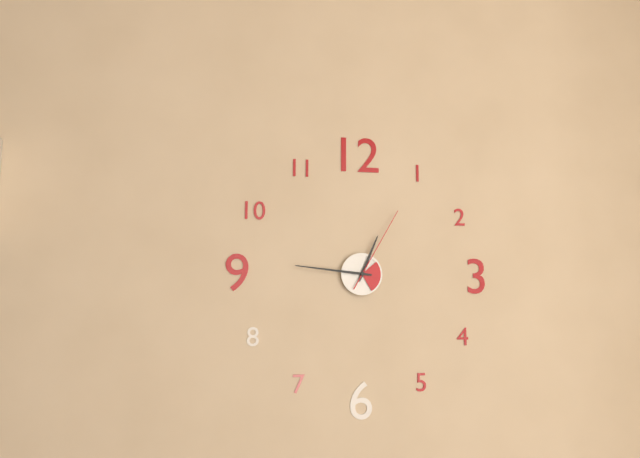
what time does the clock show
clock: 12:46:05
